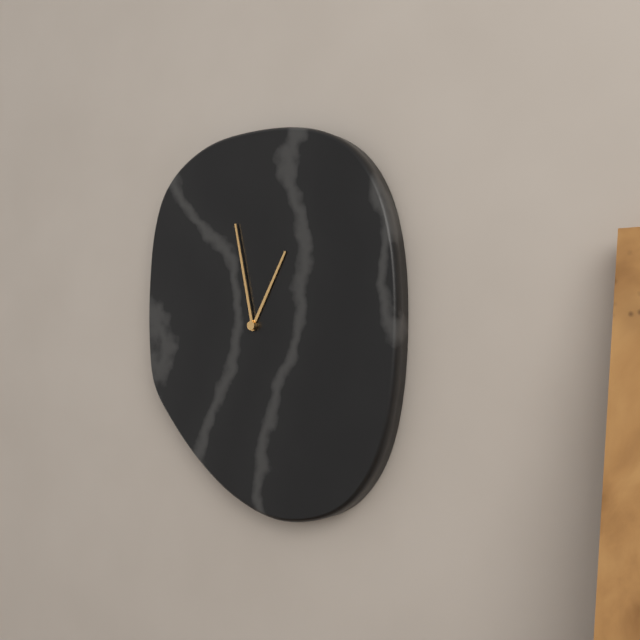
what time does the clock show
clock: 12:58
